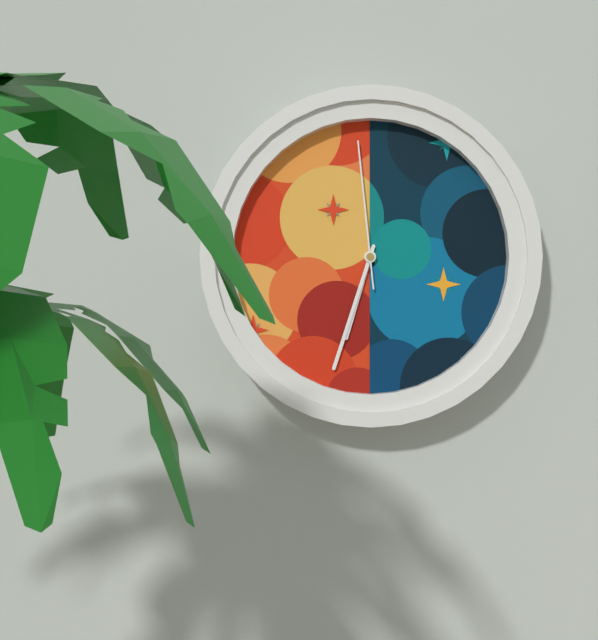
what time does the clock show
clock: 6:33:59
